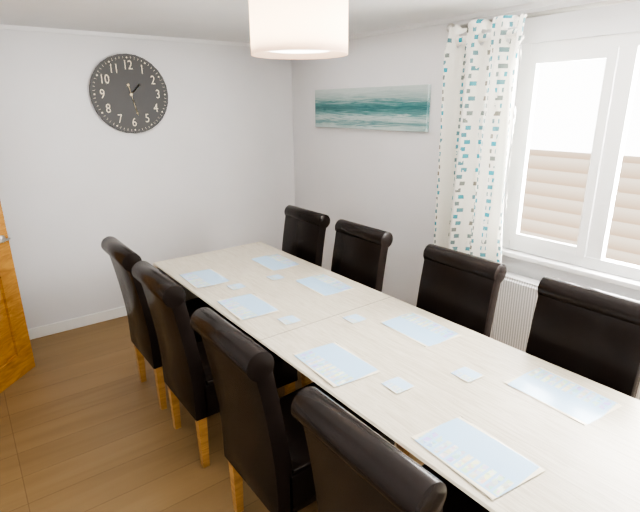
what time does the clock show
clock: 1:28
